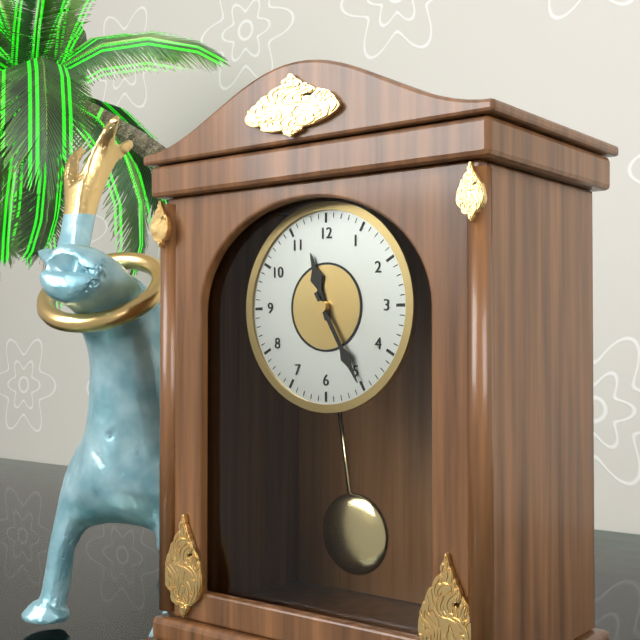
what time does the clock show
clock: 11:25
